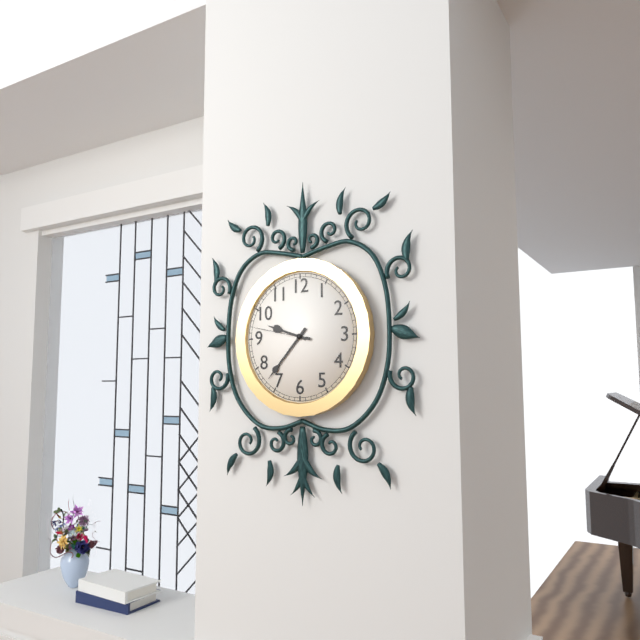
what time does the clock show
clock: 9:37:47
